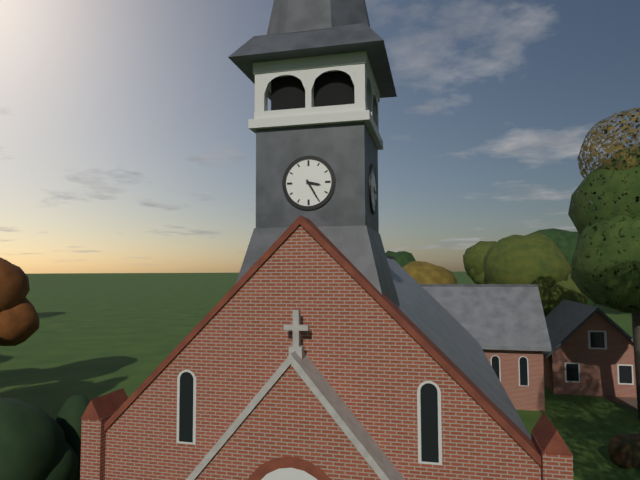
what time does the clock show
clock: 3:25
